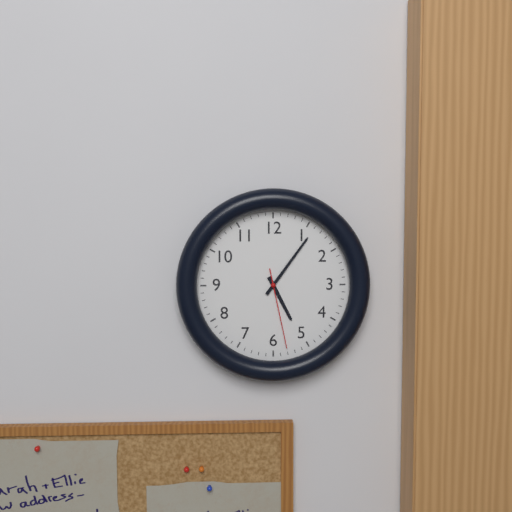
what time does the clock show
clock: 5:06:28
